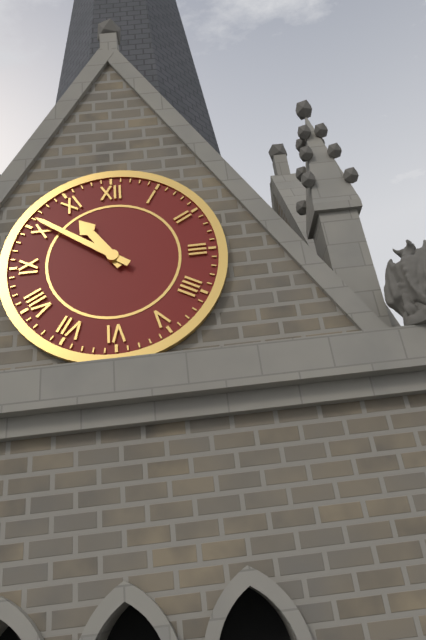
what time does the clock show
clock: 10:51
